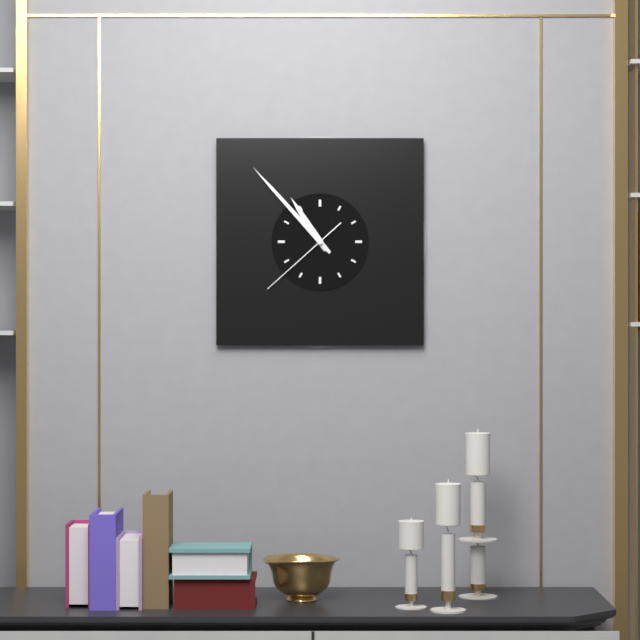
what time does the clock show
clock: 10:53:38
